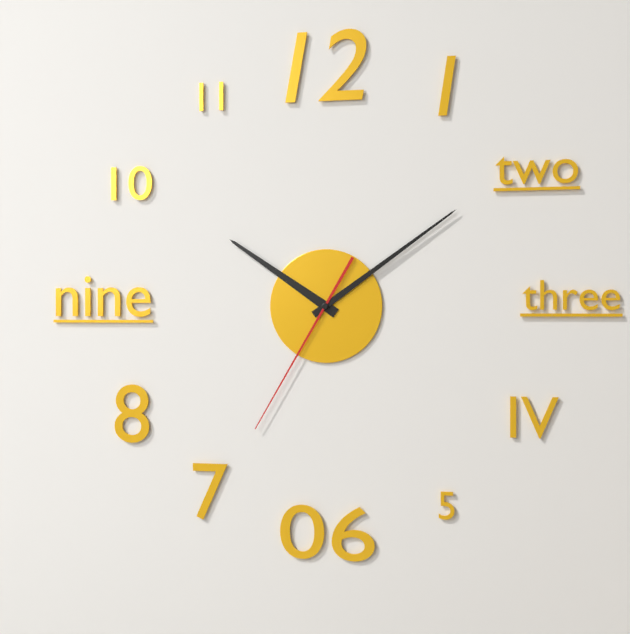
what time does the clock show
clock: 10:09:35
